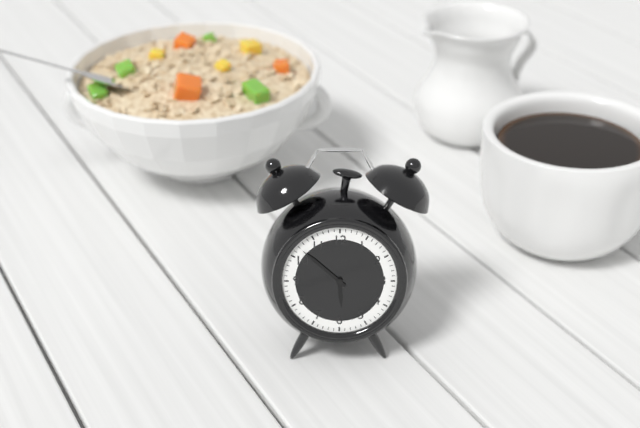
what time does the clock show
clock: 5:52
